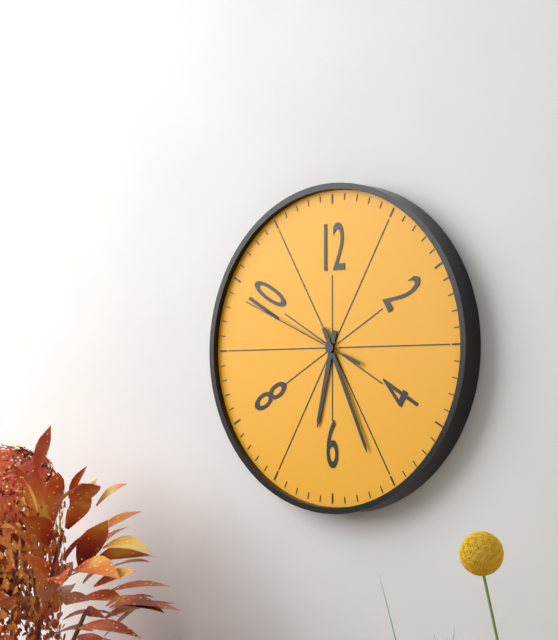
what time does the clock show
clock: 6:26:49
